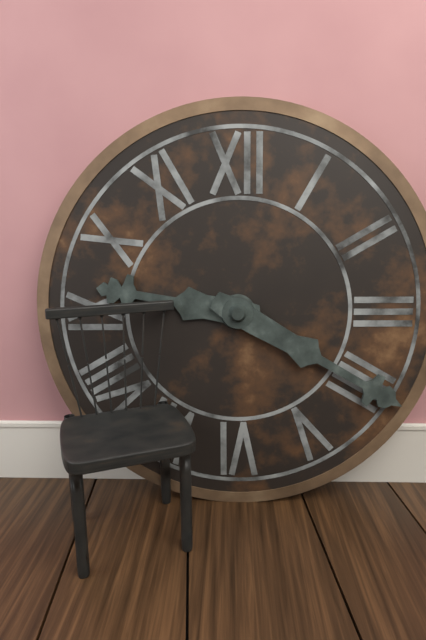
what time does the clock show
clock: 9:20
